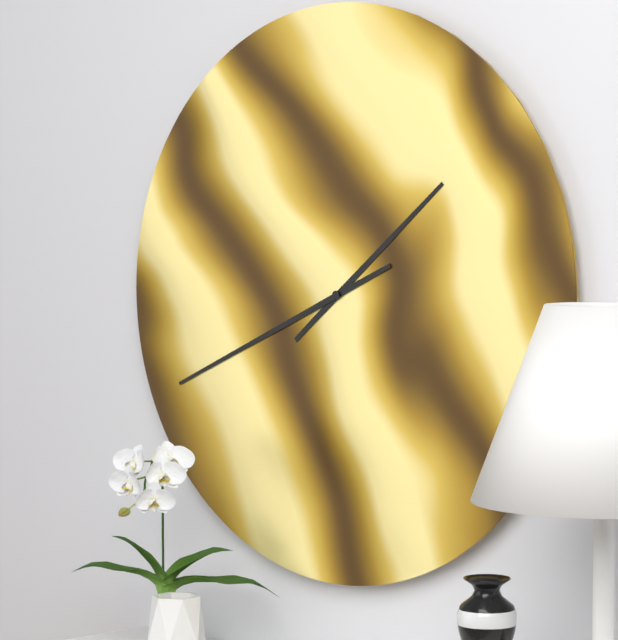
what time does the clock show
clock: 1:41
